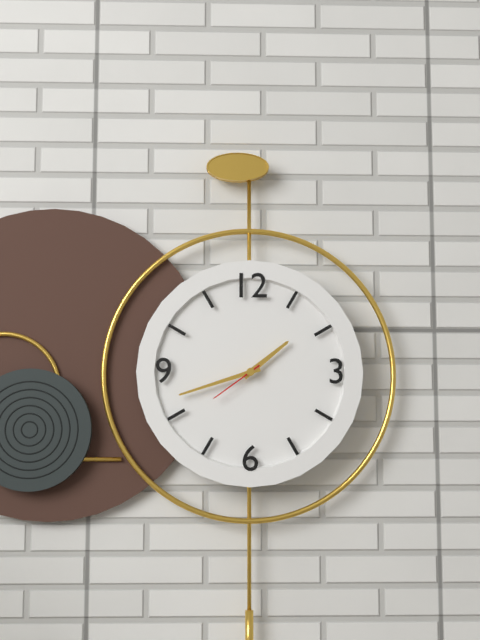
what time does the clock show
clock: 1:42:39
